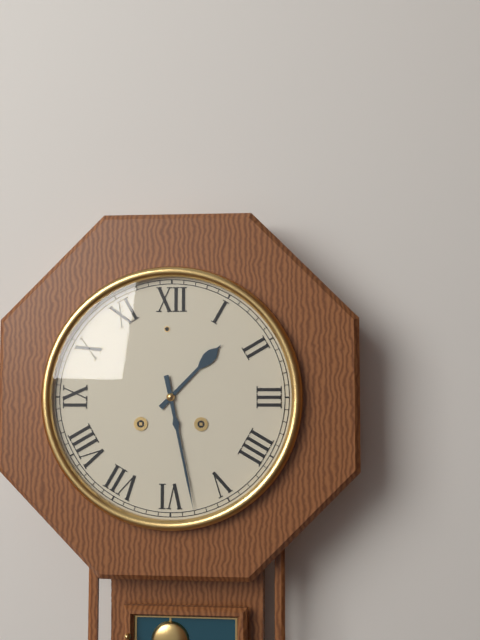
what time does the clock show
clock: 1:28
